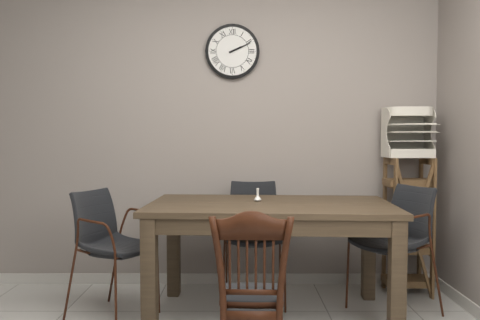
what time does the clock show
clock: 2:11
